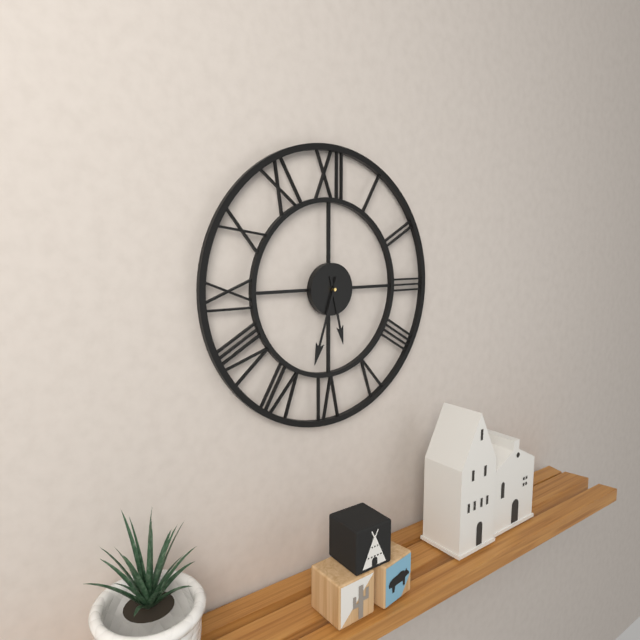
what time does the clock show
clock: 5:33
